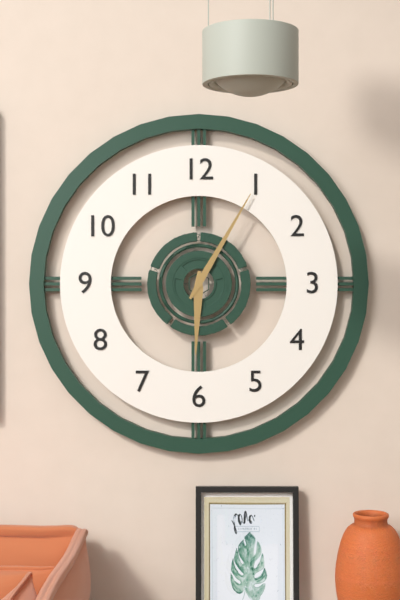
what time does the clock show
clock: 6:05
